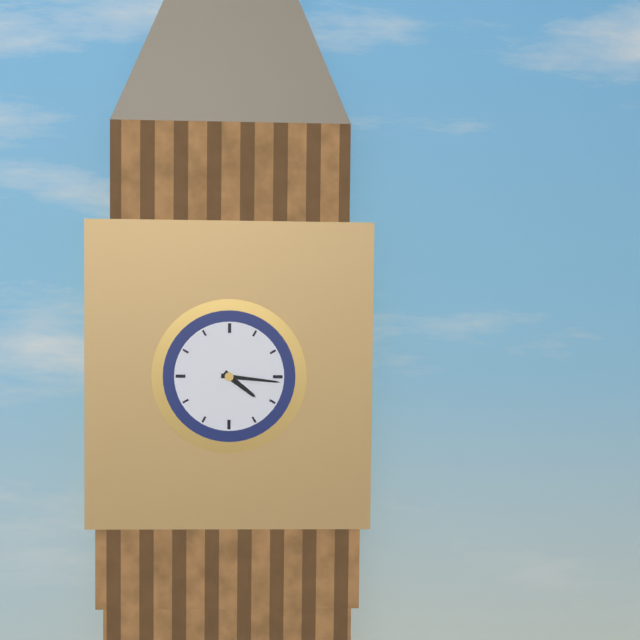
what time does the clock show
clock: 4:16
